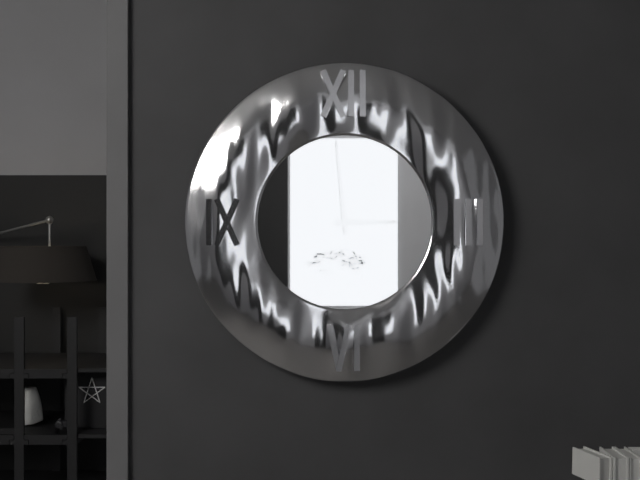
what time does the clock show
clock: 2:59
